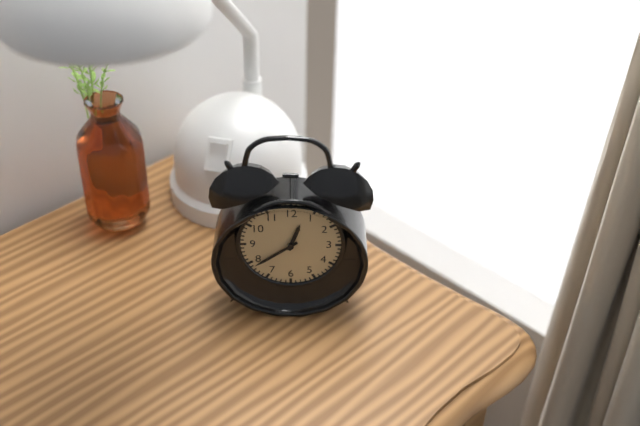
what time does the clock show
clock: 12:39
